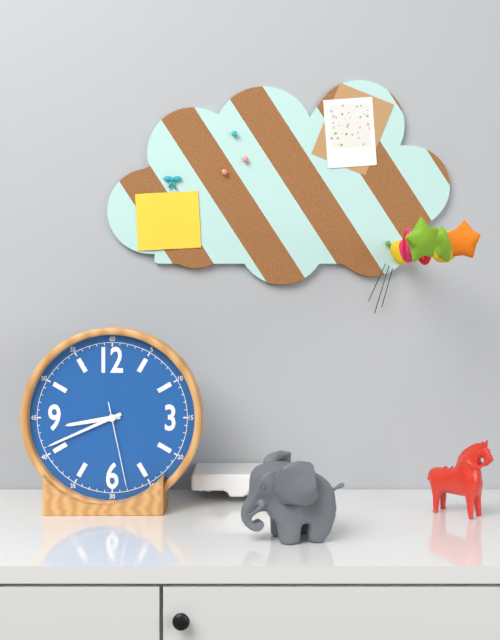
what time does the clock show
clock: 8:41:28
